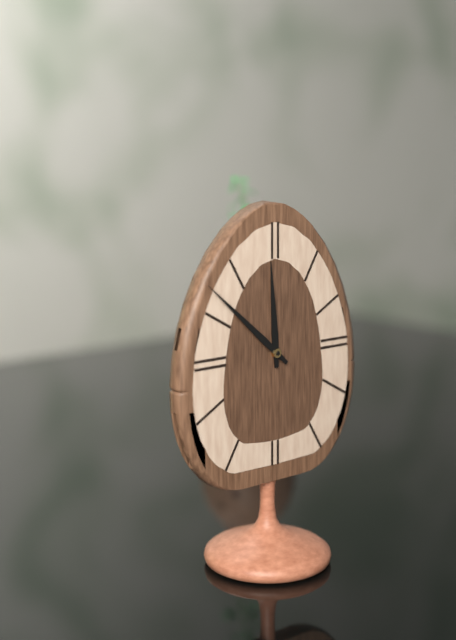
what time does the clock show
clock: 11:52
